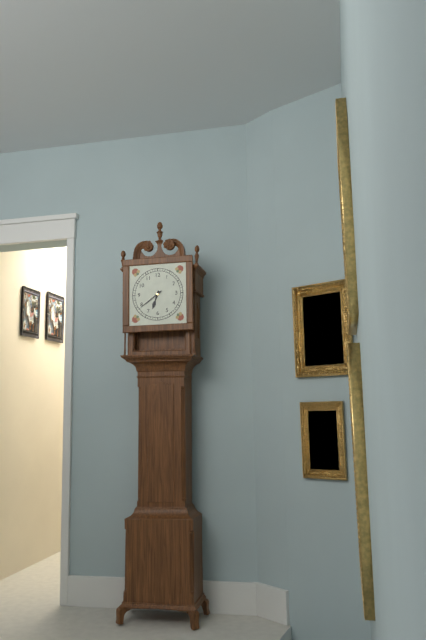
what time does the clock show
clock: 6:39
